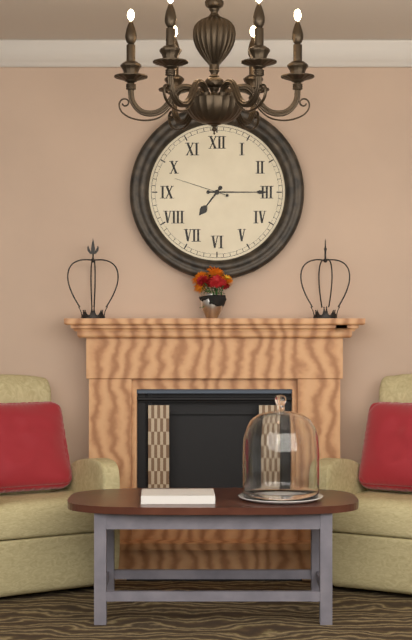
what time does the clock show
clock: 7:15:48
